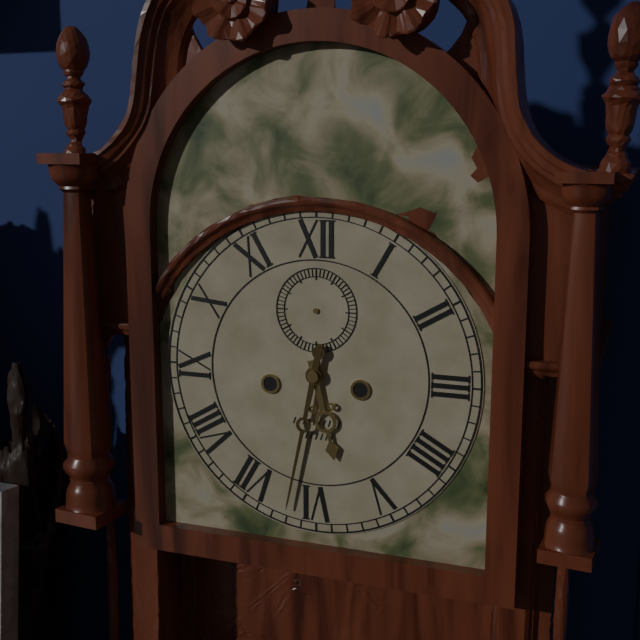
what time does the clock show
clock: 5:32
